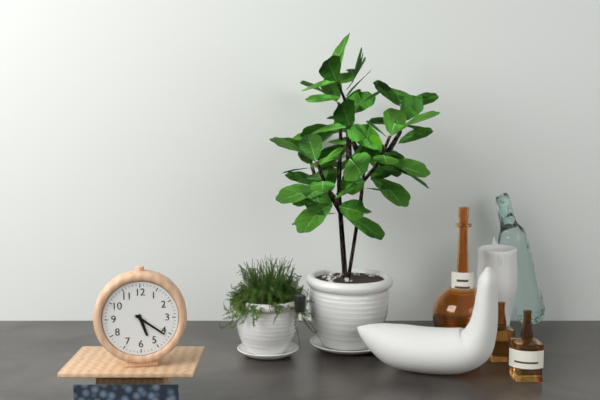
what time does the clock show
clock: 5:21
